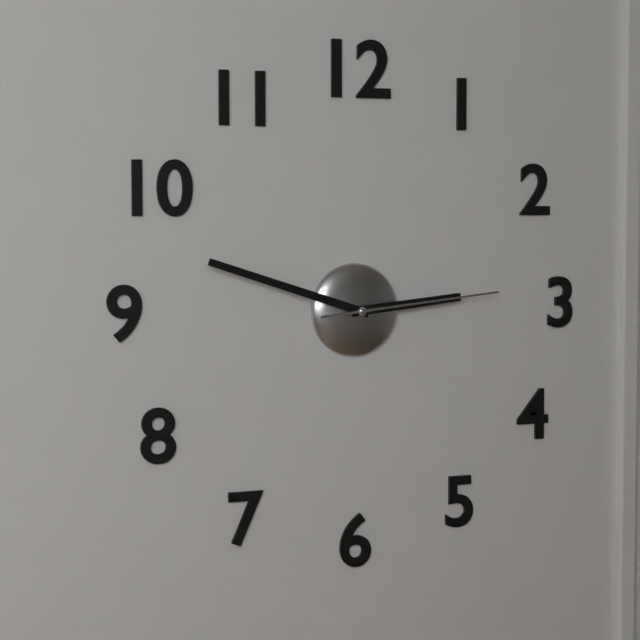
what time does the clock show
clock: 2:48:14
